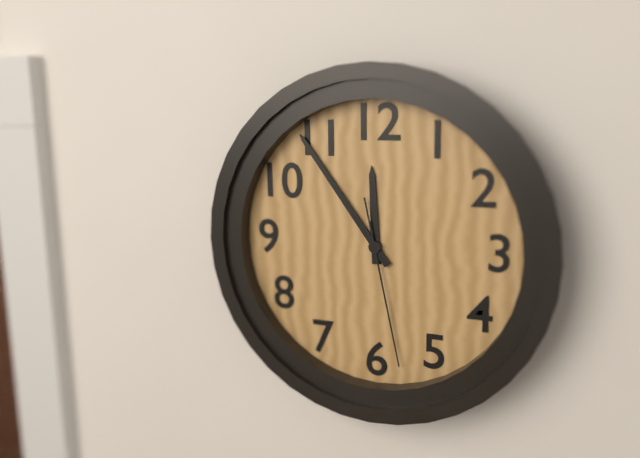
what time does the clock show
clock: 11:54:28
